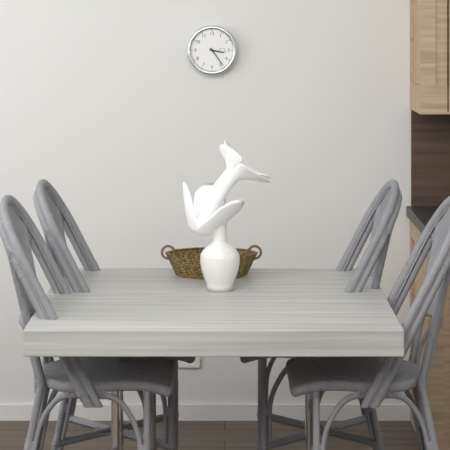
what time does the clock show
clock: 3:24
